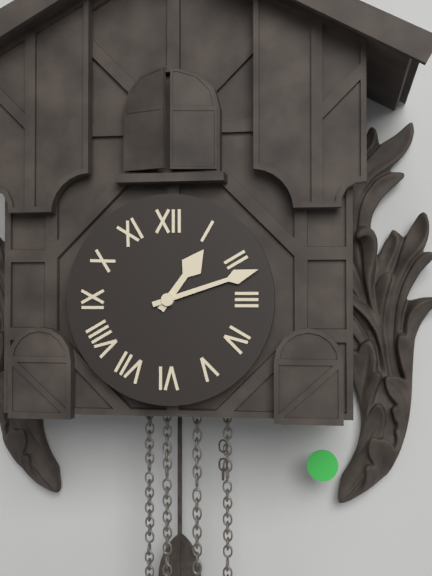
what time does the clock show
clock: 1:12
